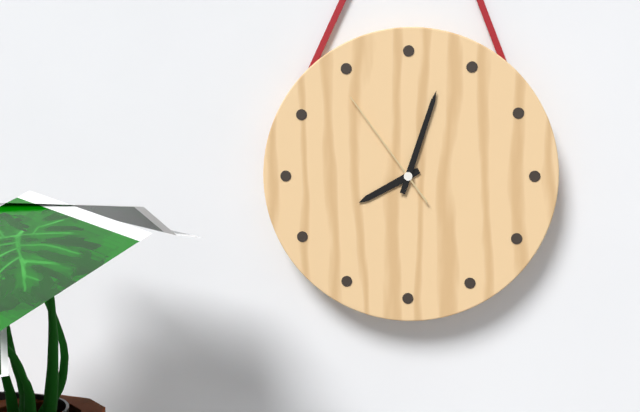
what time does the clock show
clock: 8:03:54
